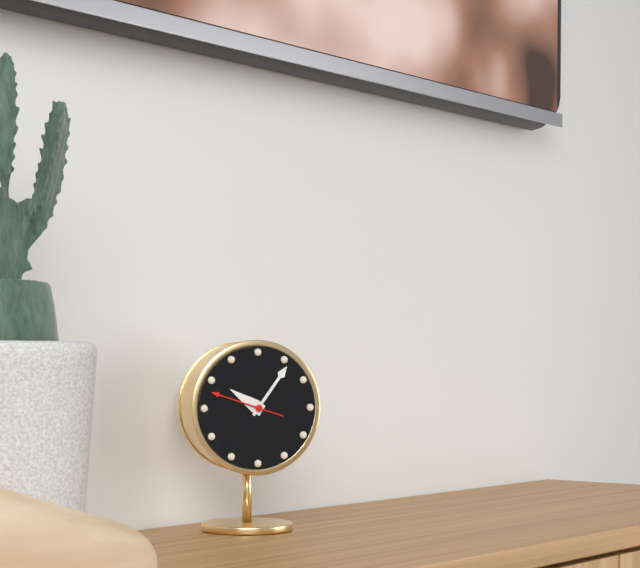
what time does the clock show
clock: 10:06:48
